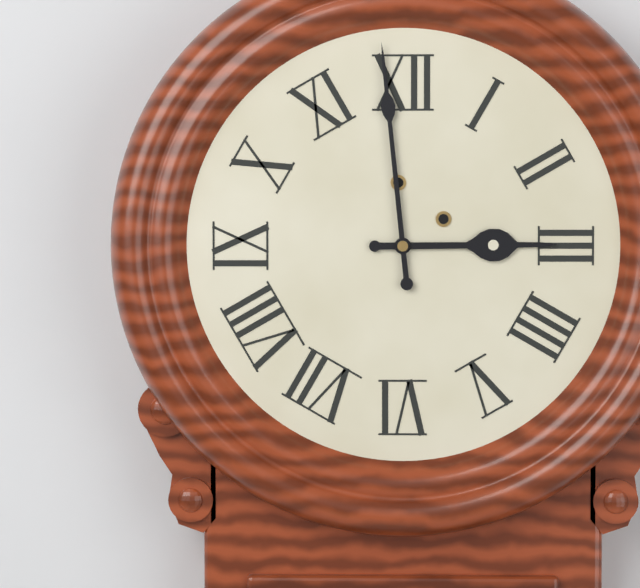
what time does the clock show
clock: 2:59
